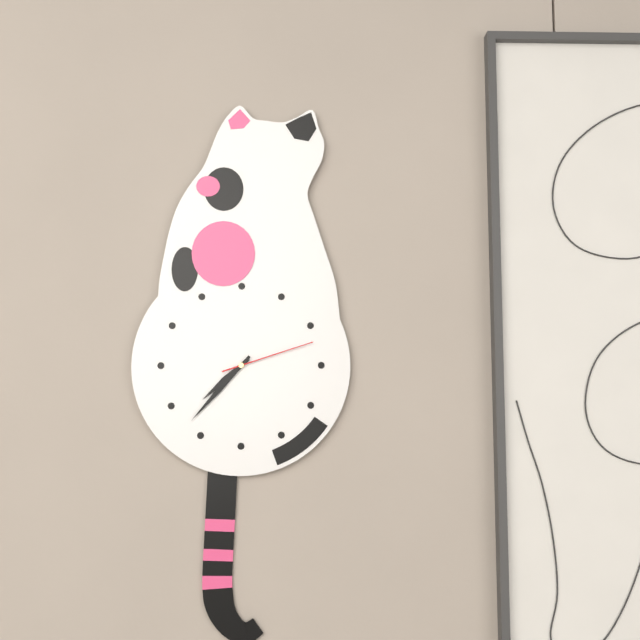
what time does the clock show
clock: 7:37:12
